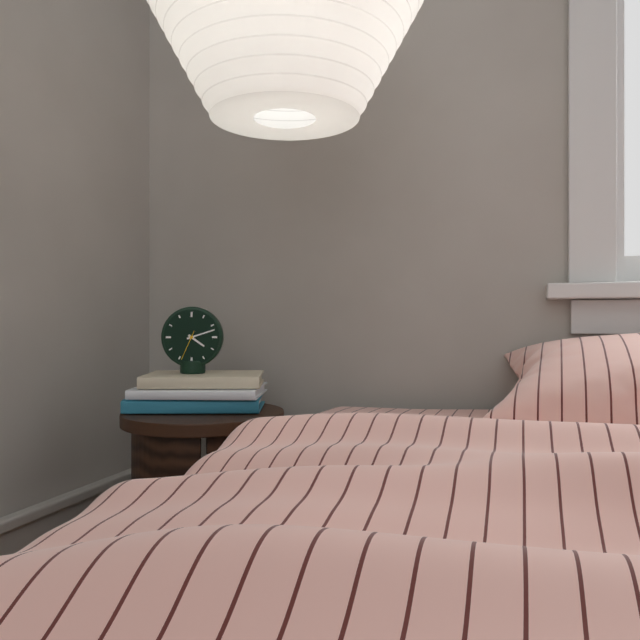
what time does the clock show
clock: 4:12
